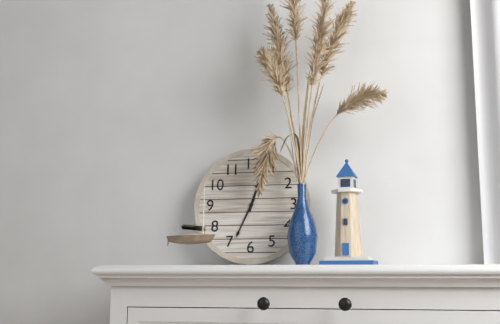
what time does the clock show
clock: 12:34
